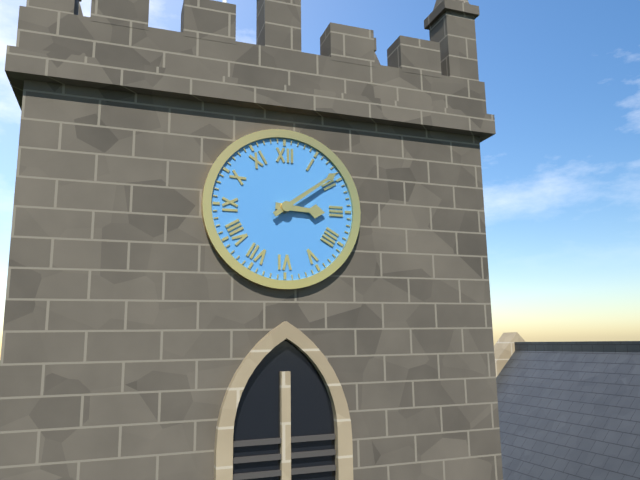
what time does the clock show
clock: 3:09
